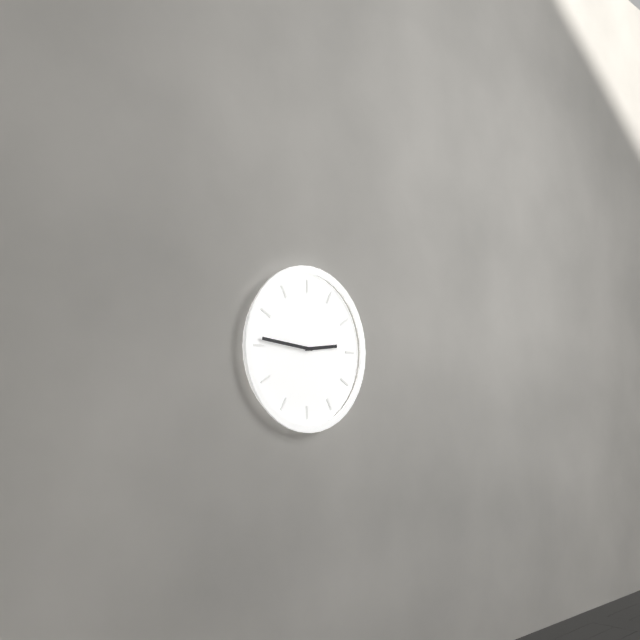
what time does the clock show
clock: 2:46
